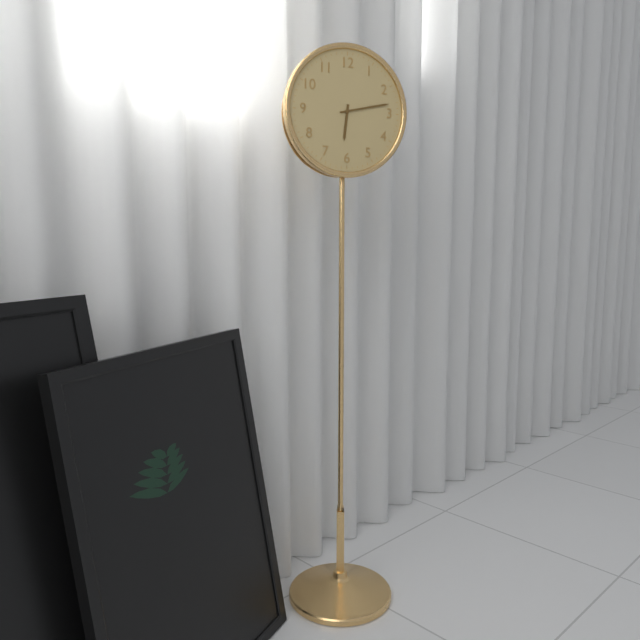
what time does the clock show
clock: 6:13
